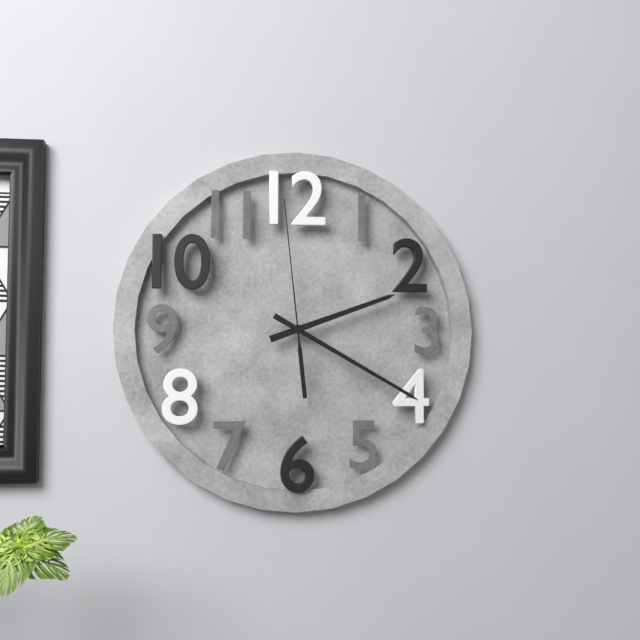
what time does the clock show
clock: 2:20:59
